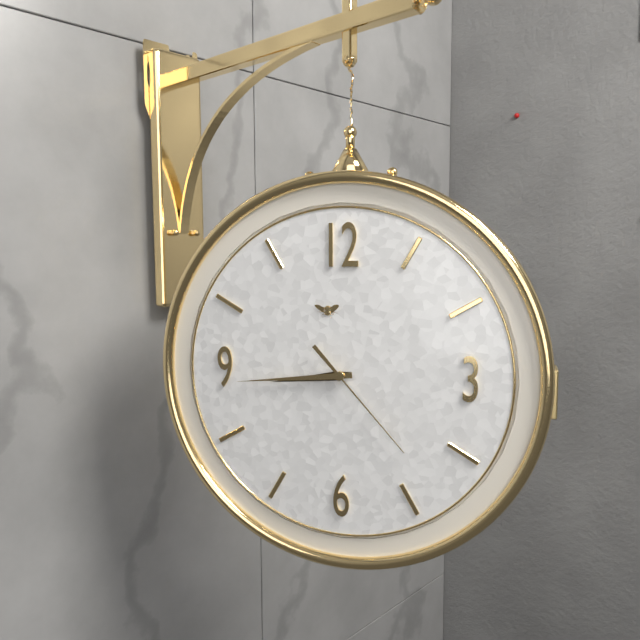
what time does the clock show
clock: 8:44:23
